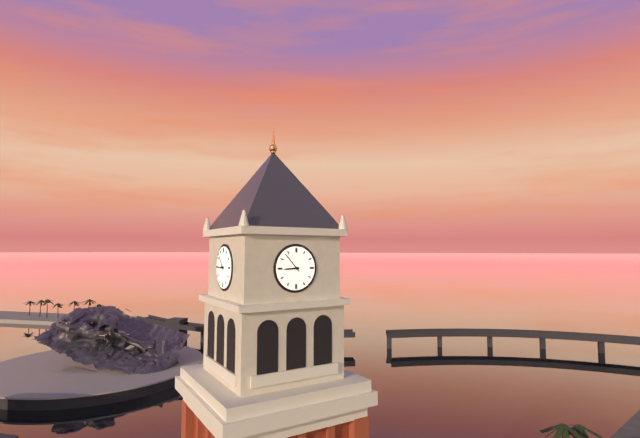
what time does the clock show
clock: 8:53
